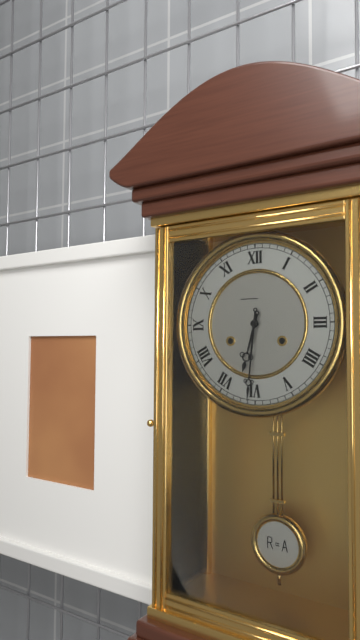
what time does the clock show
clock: 6:31
